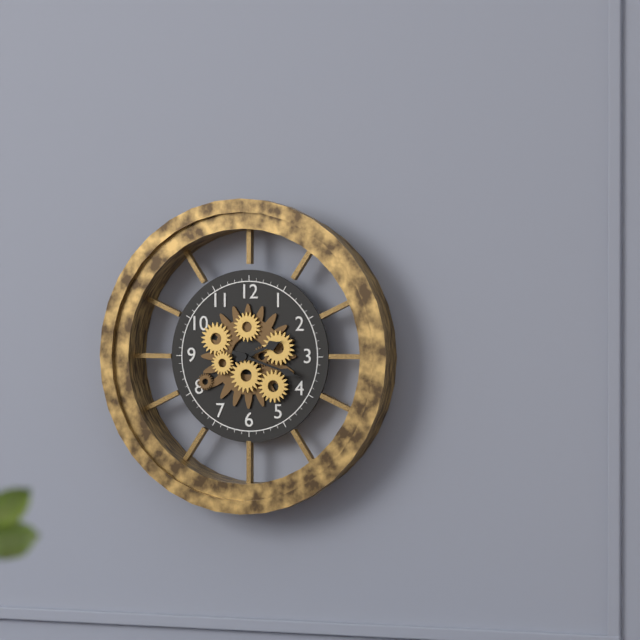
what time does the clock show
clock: 2:18
